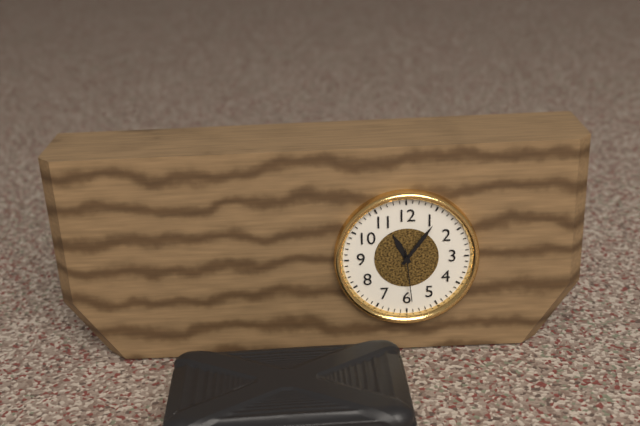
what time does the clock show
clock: 11:06:29
